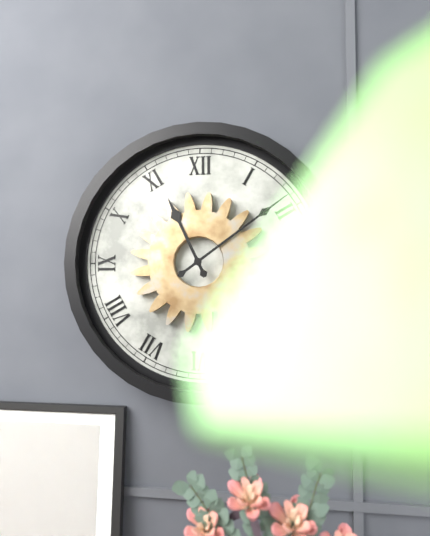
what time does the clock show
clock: 11:09
